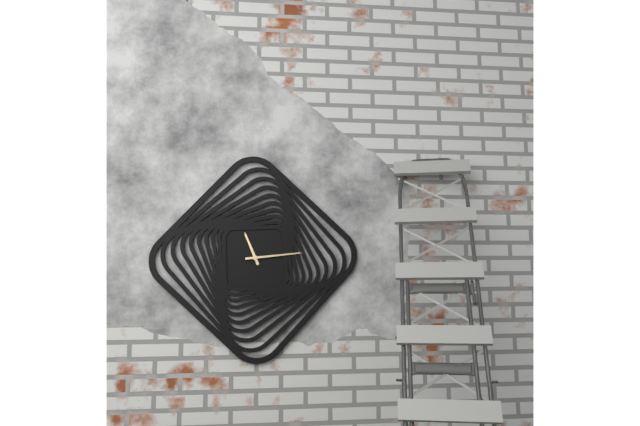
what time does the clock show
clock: 11:14
